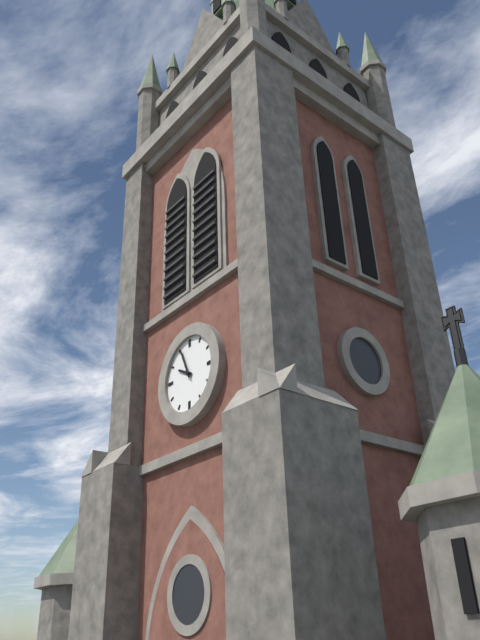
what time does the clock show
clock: 9:56
